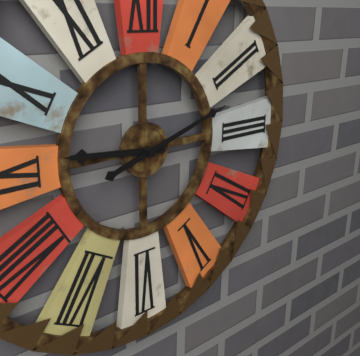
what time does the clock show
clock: 9:12
